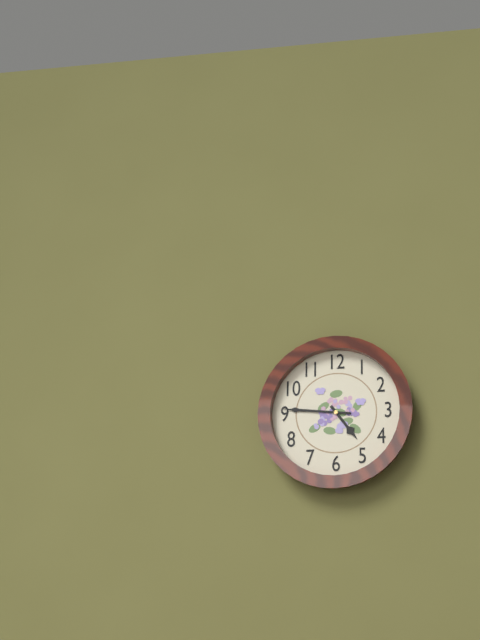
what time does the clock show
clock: 4:46
